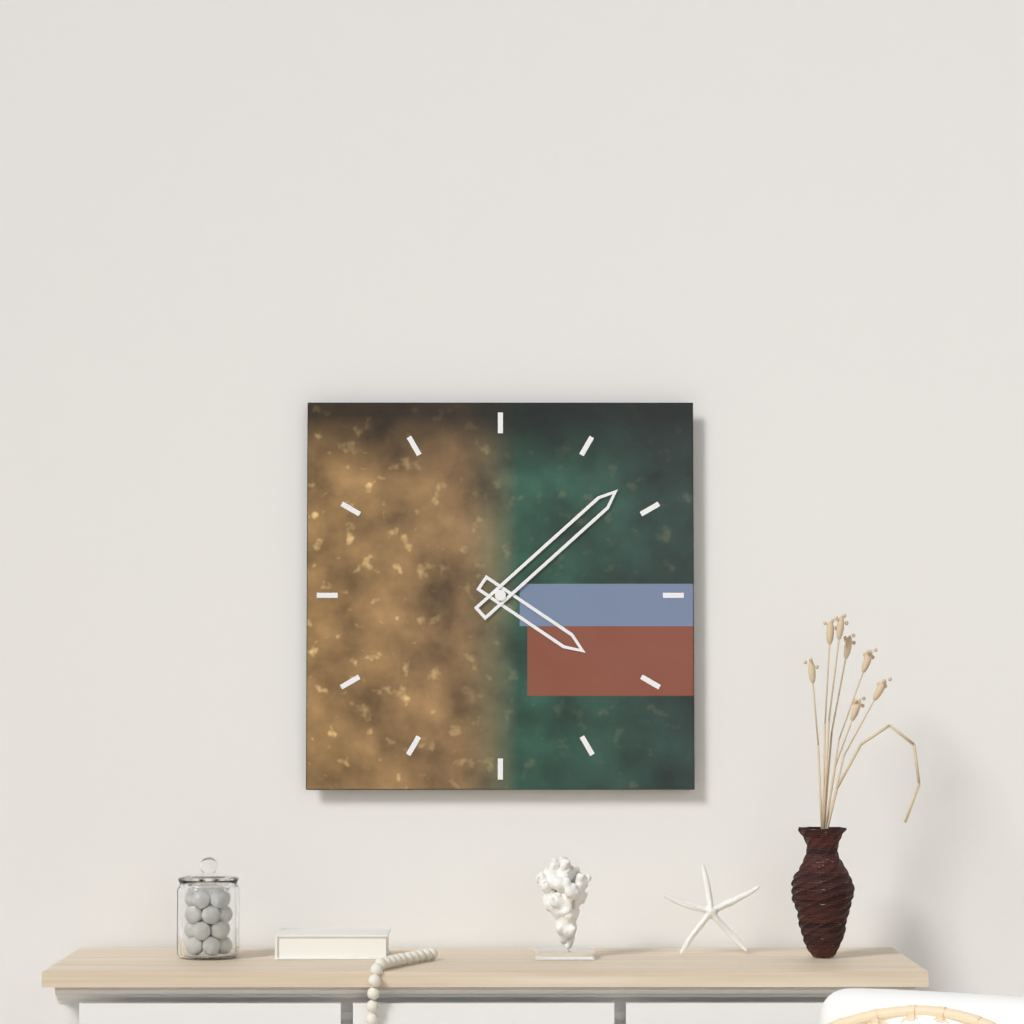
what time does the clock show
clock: 4:08
